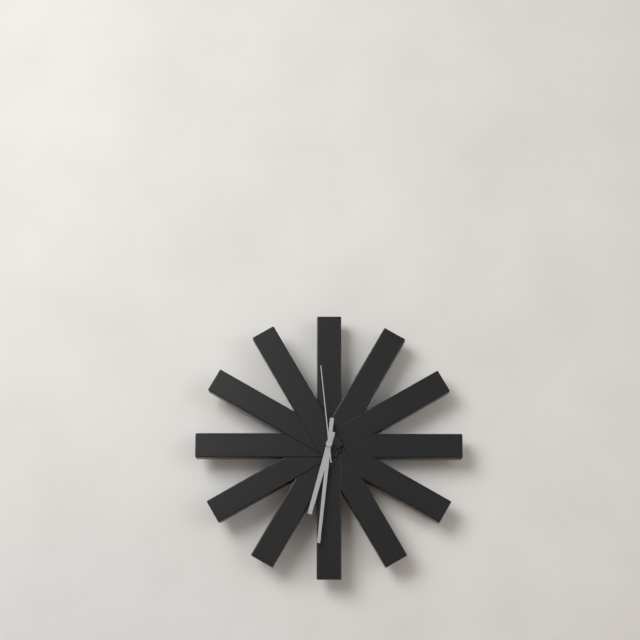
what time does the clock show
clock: 6:31:59
